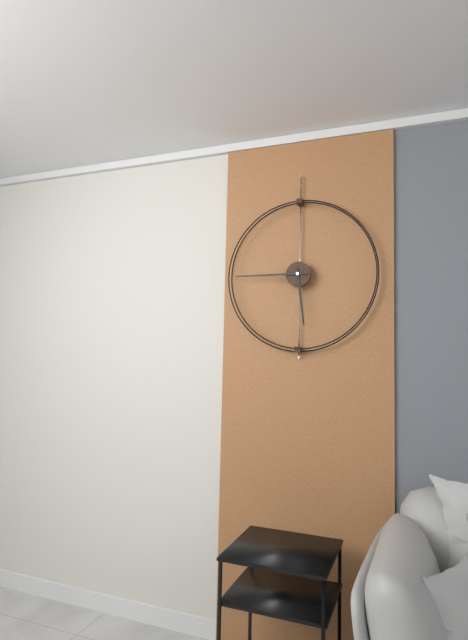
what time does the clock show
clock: 5:45
